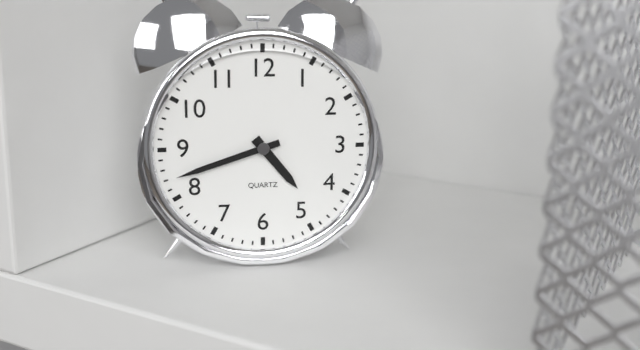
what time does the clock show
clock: 4:42
